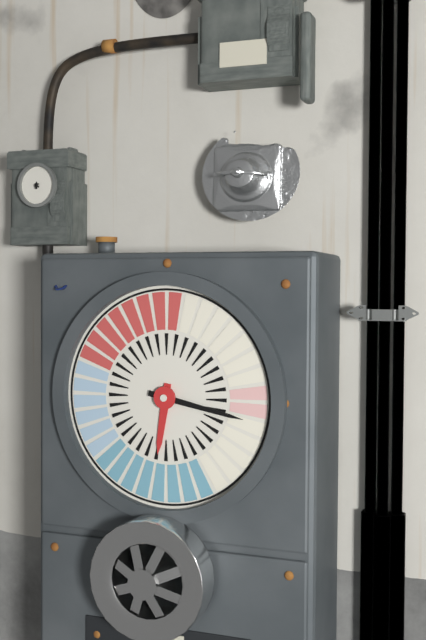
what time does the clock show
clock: 6:17
